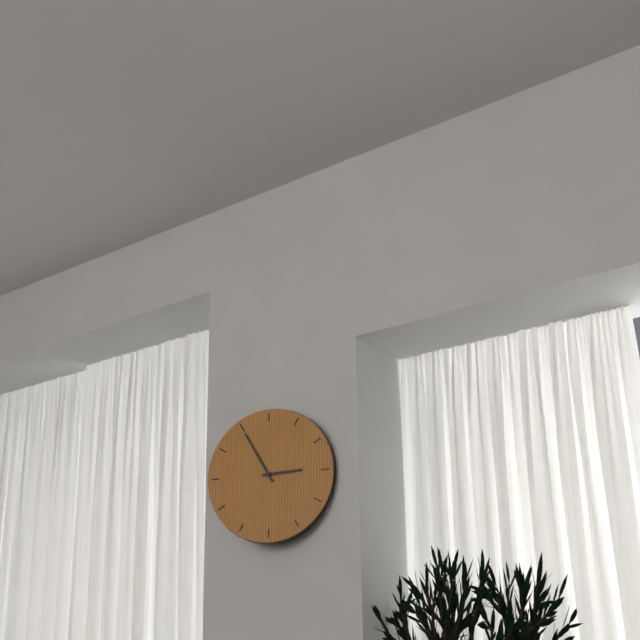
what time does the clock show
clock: 2:55
